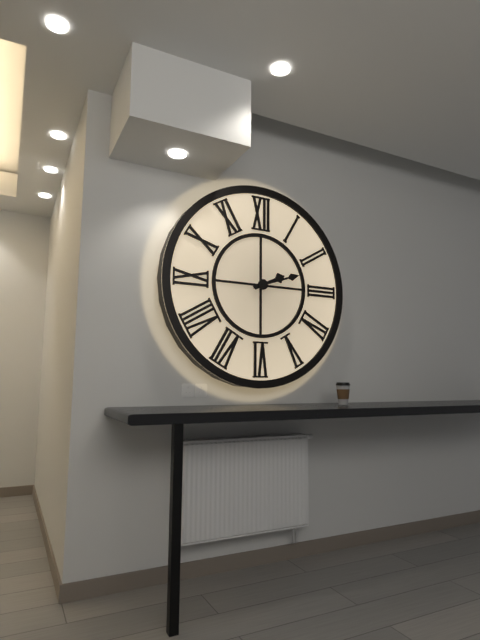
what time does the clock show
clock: 2:12
